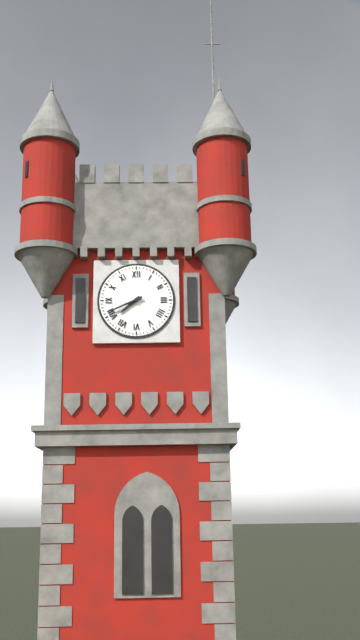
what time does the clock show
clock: 7:41
